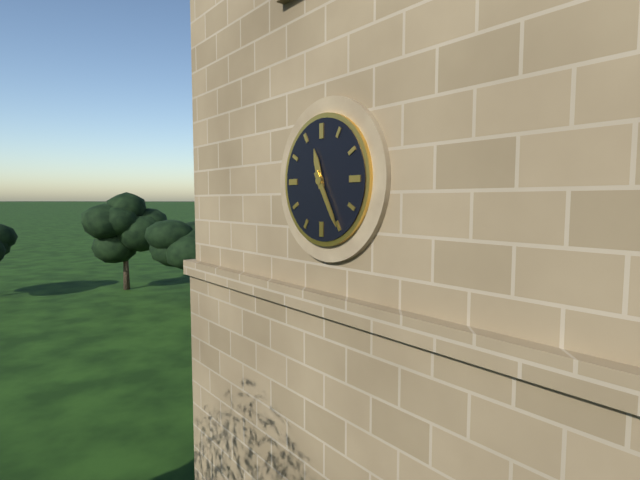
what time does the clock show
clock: 11:25
